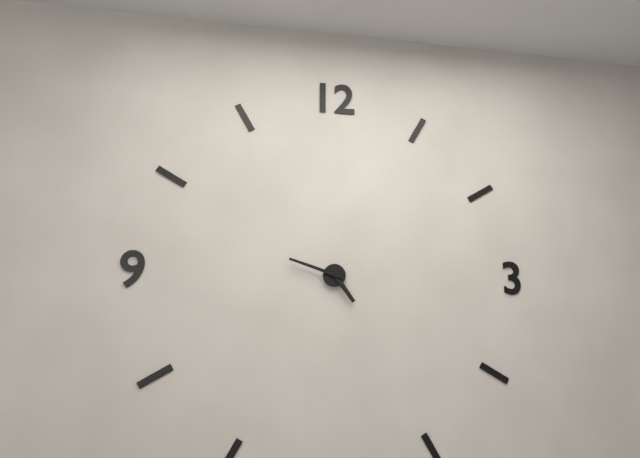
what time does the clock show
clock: 4:48
